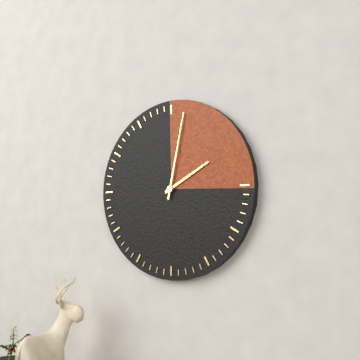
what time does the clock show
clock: 2:02
